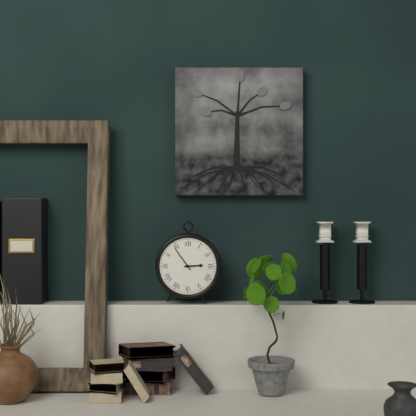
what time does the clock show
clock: 2:54
